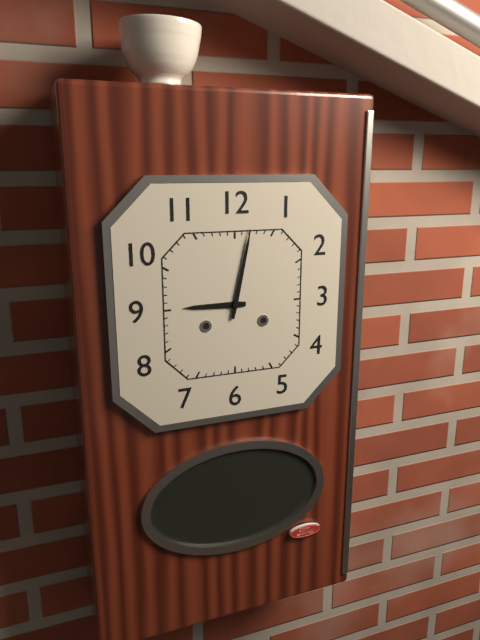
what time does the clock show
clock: 9:02
